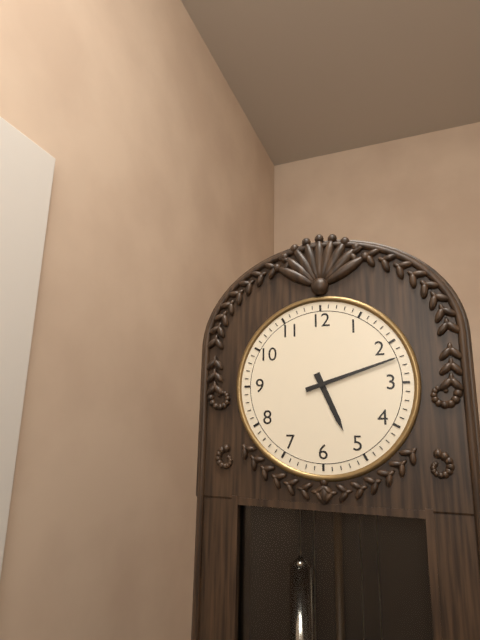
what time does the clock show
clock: 5:12
